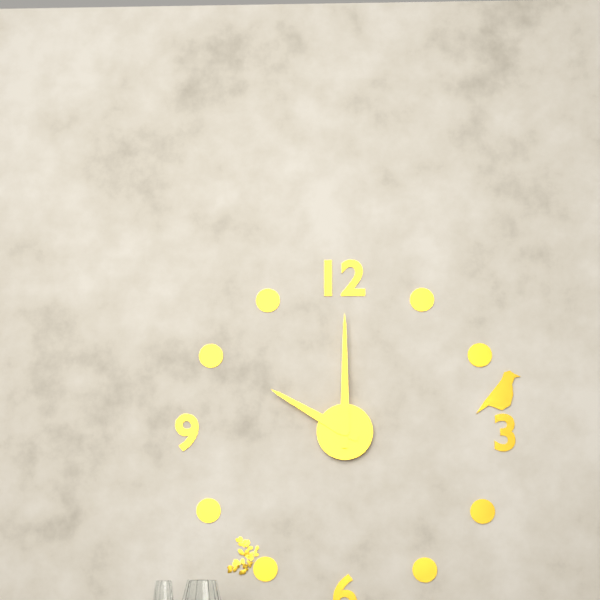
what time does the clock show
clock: 10:00
